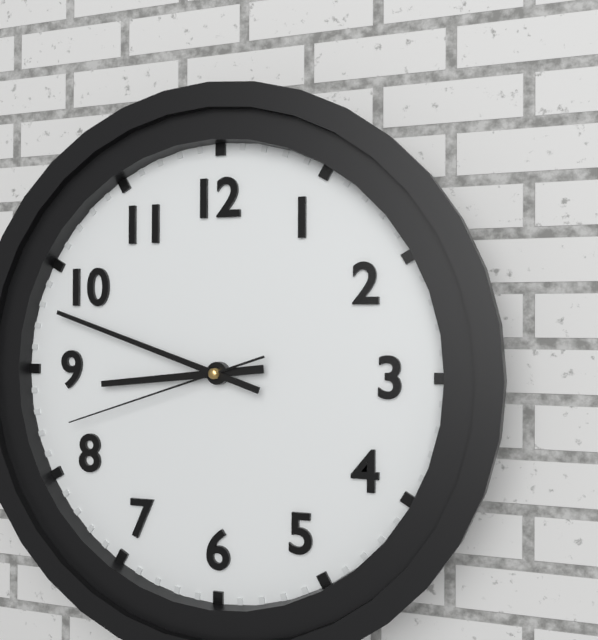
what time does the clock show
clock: 8:48:42
